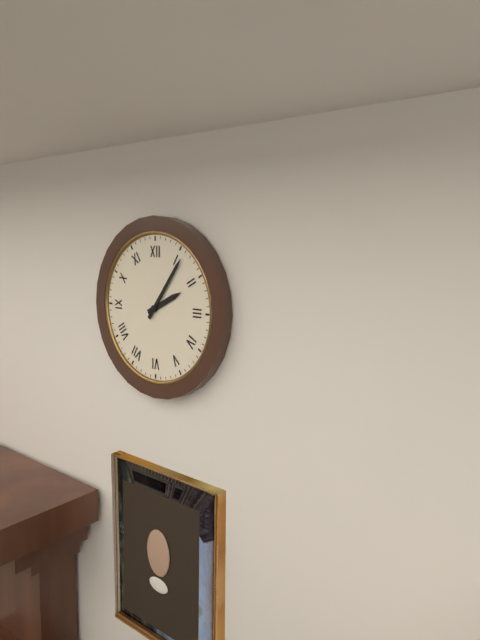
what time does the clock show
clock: 2:06
